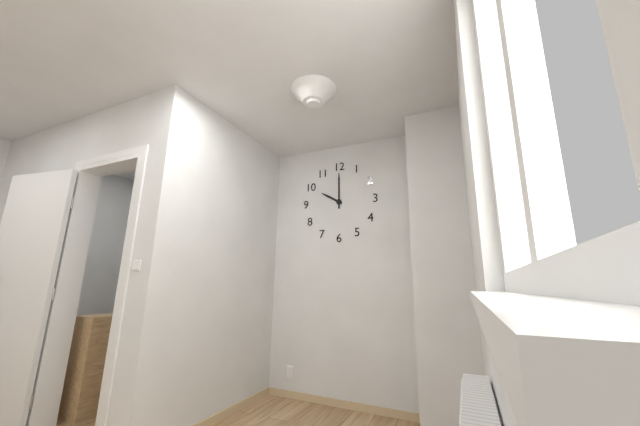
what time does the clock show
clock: 10:00
